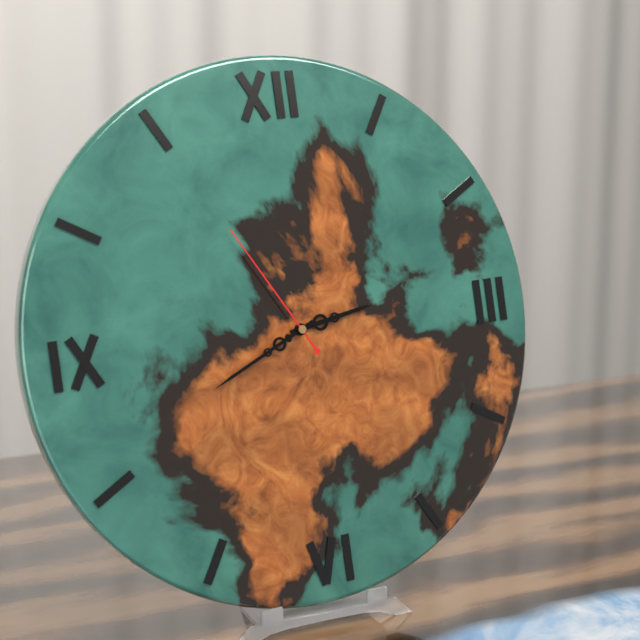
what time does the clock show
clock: 2:41:55
